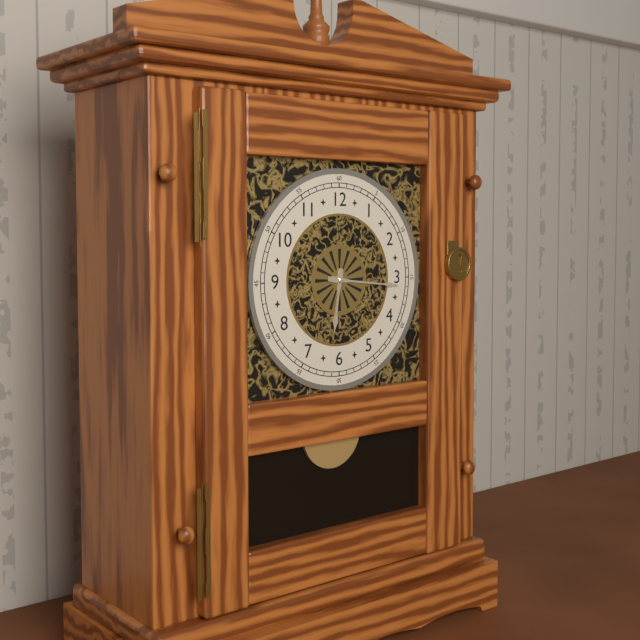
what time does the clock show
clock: 6:16
